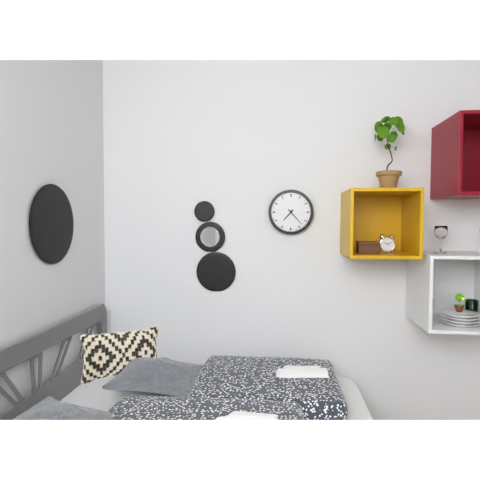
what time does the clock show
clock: 7:23
